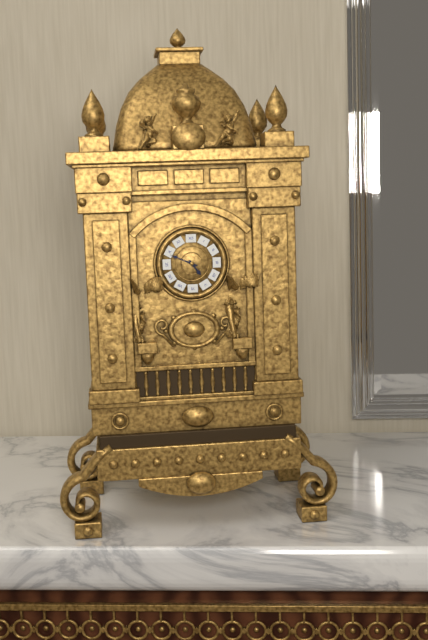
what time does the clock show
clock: 4:49
